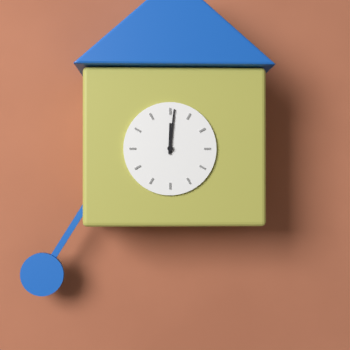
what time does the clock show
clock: 12:01
